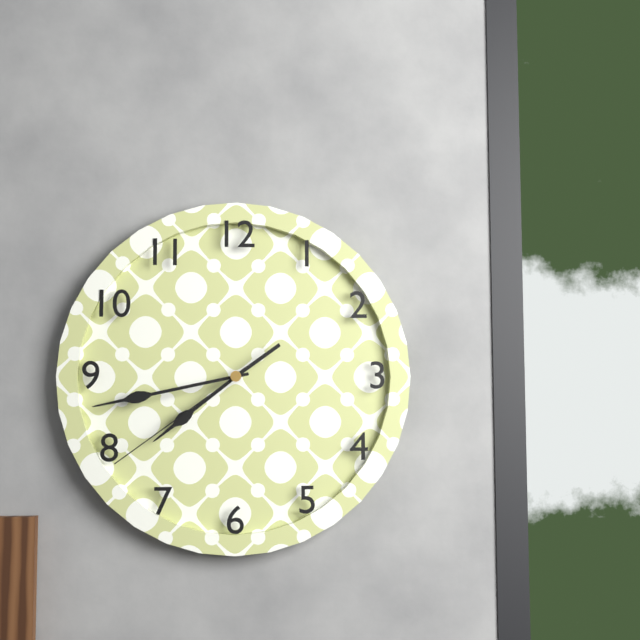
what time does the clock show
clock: 7:43:39
